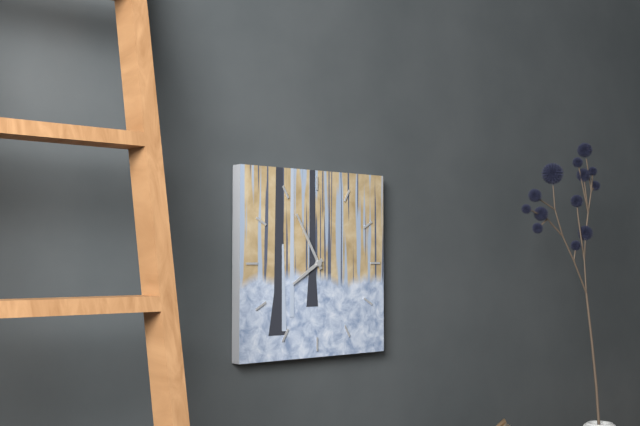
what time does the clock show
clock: 7:55
